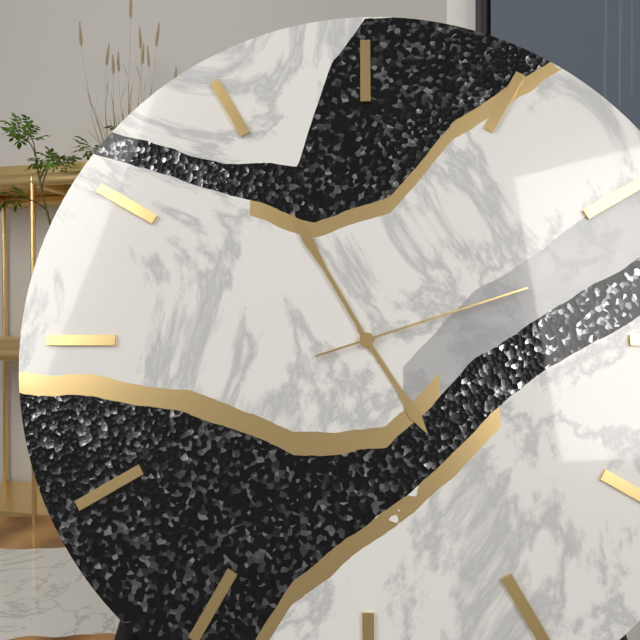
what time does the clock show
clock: 4:55:12
